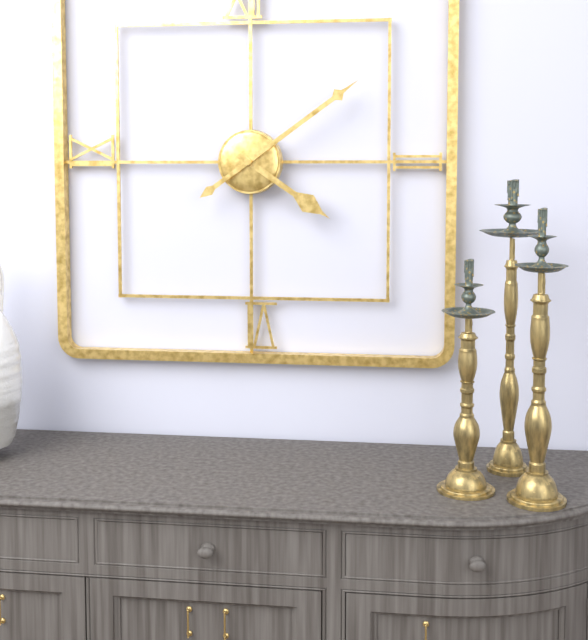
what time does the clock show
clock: 4:09
